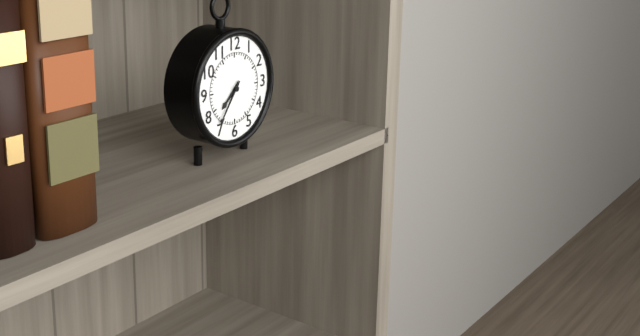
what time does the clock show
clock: 7:36
